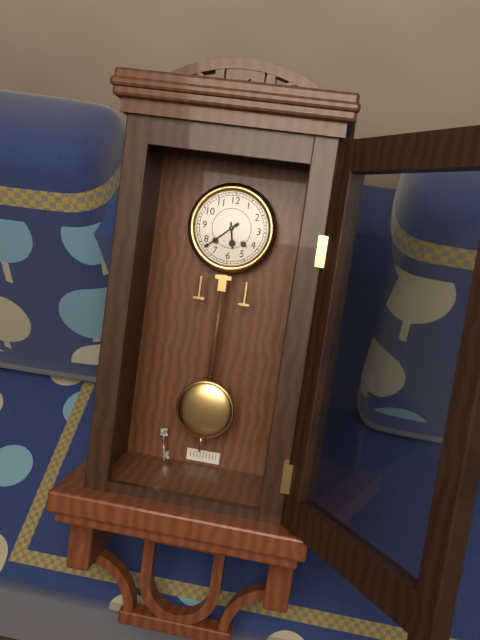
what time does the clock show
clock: 5:38
